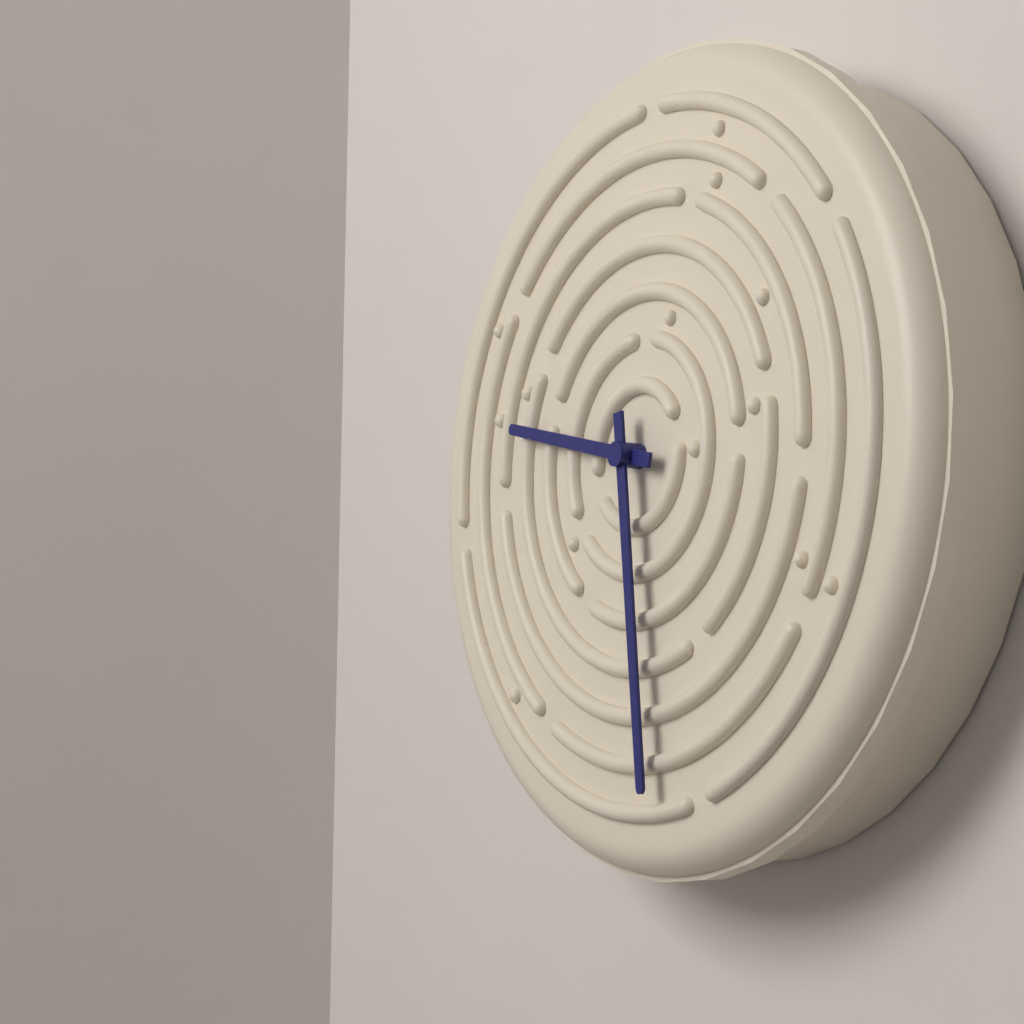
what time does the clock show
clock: 9:29
